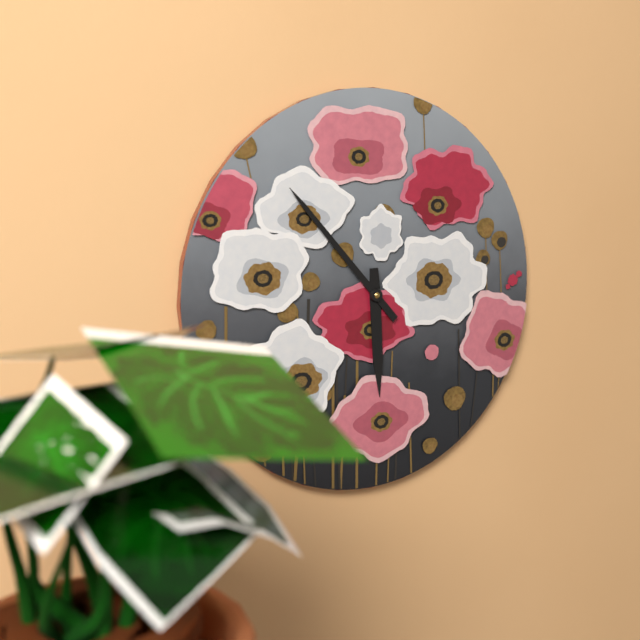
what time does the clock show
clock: 5:53
